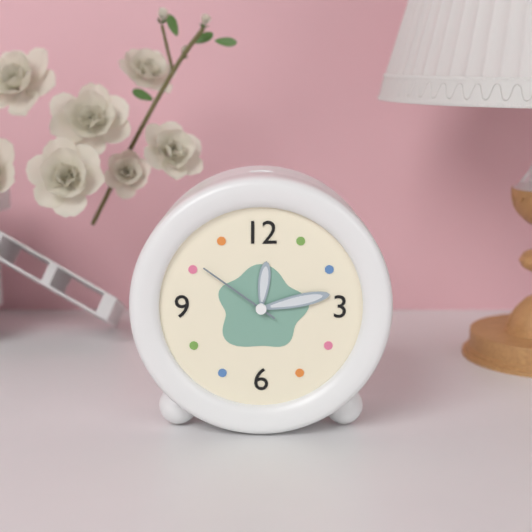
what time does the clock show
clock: 12:13:51
